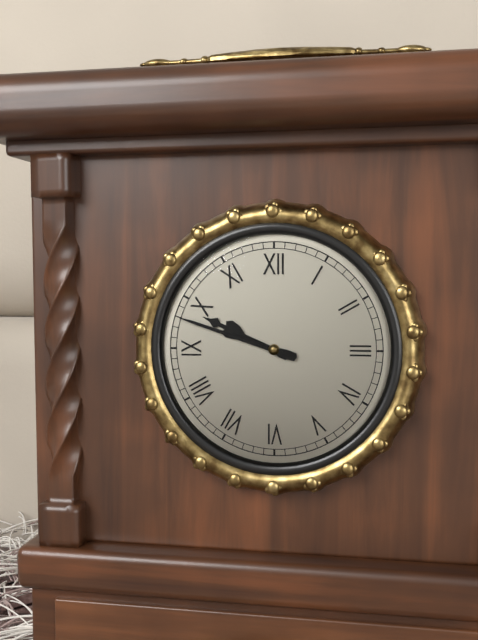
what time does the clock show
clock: 9:48
